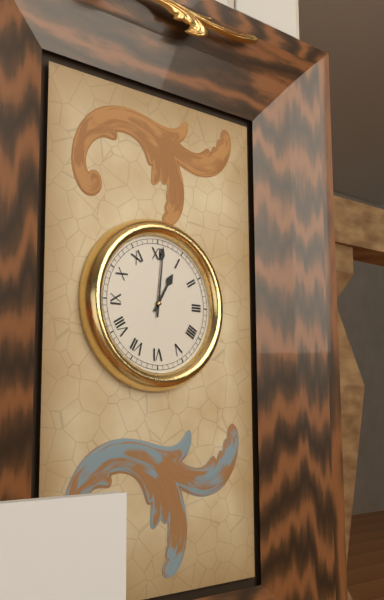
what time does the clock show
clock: 1:01
